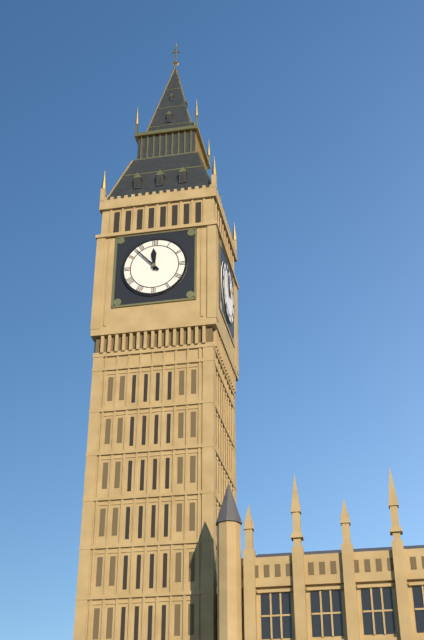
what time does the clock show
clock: 11:53
